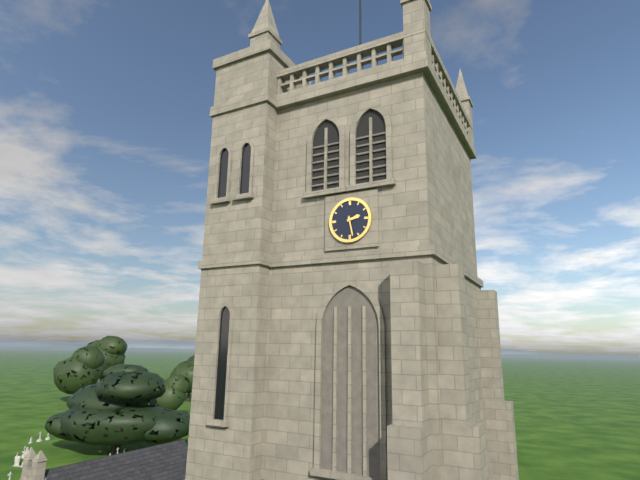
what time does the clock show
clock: 2:28
